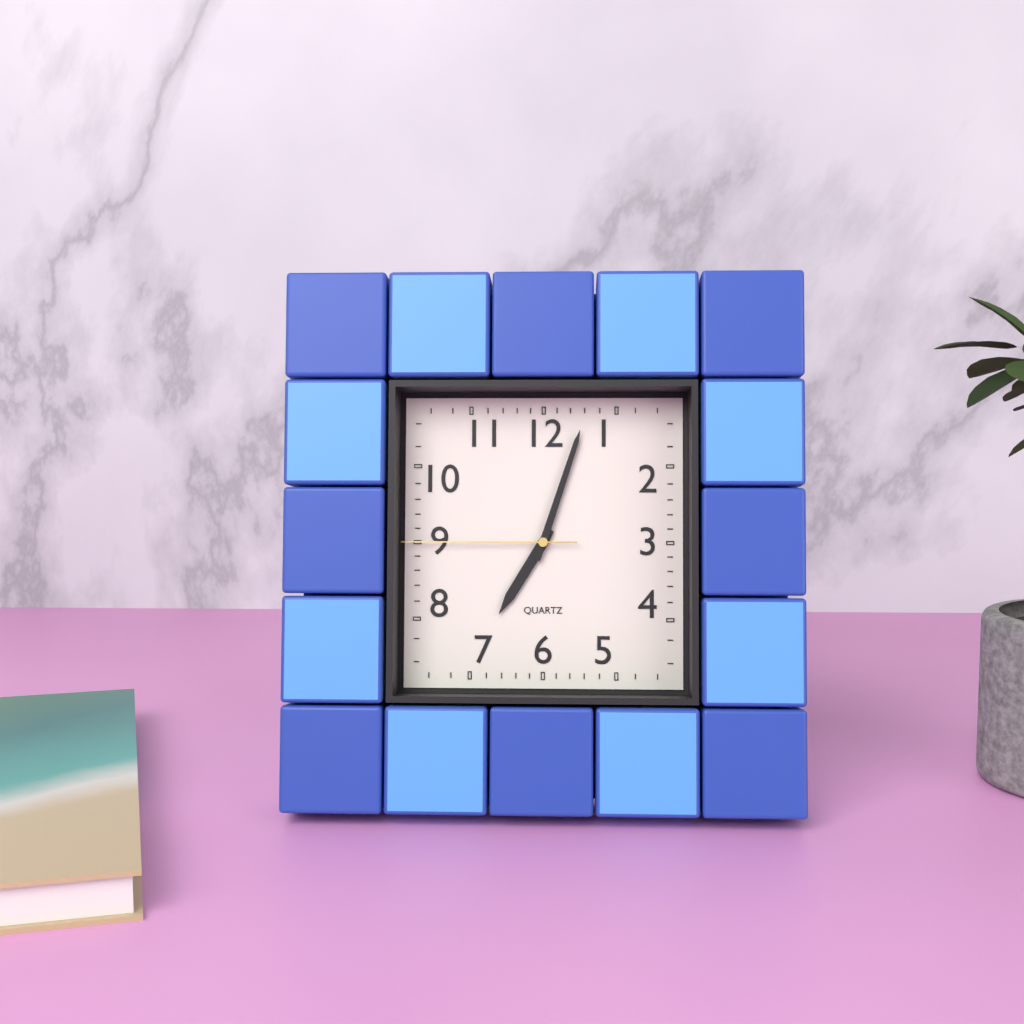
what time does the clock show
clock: 7:03:45
